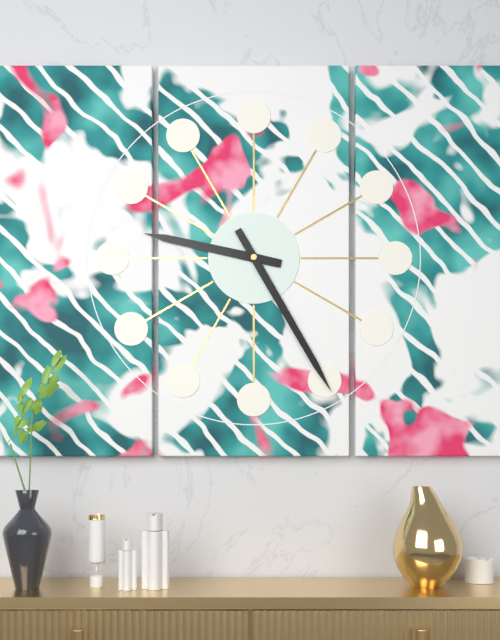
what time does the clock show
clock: 9:25
